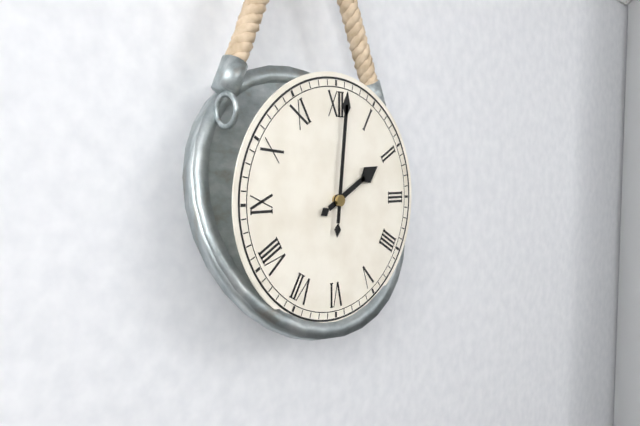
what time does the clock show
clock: 2:01
